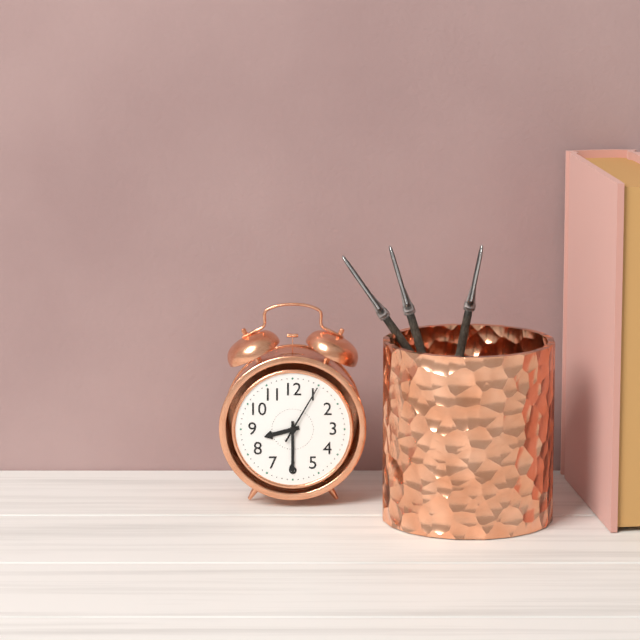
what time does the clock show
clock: 8:30:05
